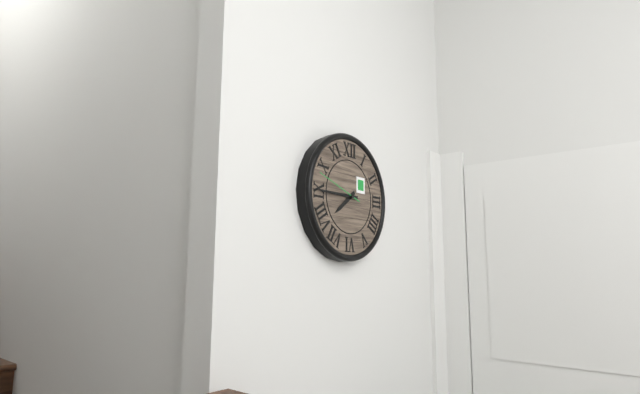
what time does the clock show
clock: 7:45
